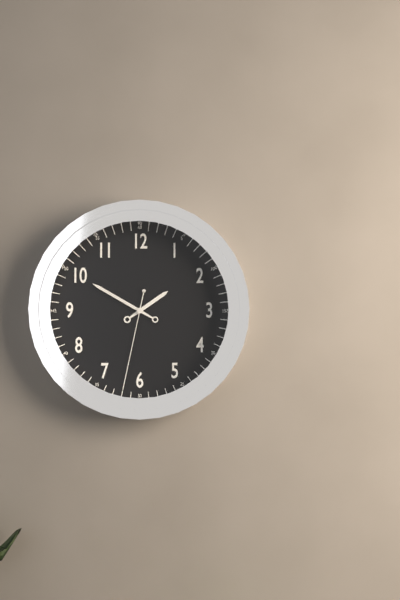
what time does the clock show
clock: 1:50:32
